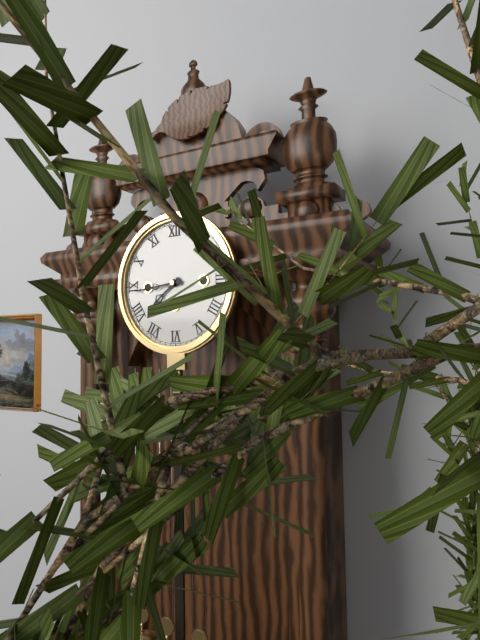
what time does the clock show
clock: 7:44
